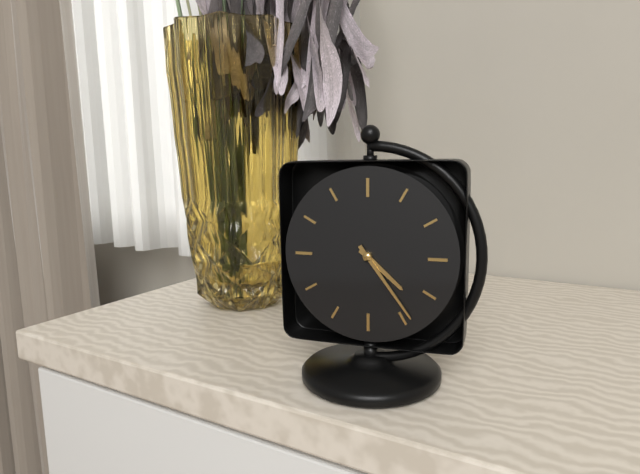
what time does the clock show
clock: 4:24
